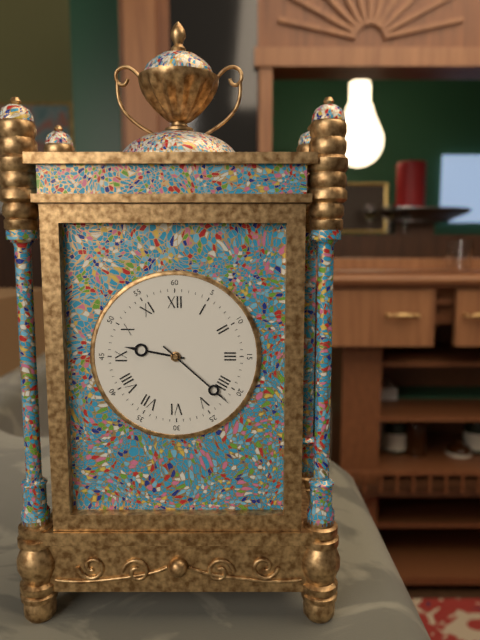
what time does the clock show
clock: 9:22
